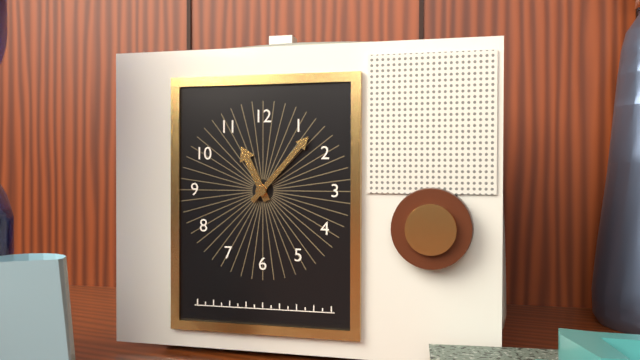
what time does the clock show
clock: 11:07
